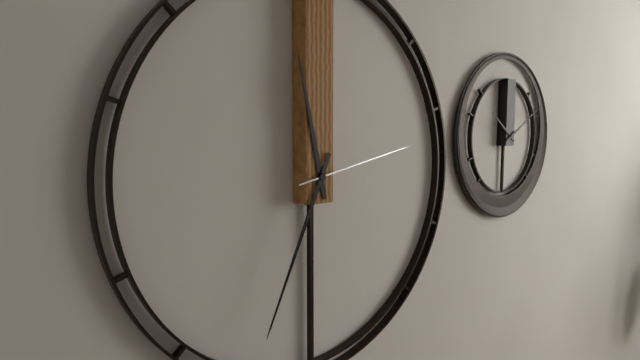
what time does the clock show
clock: 11:34:13
